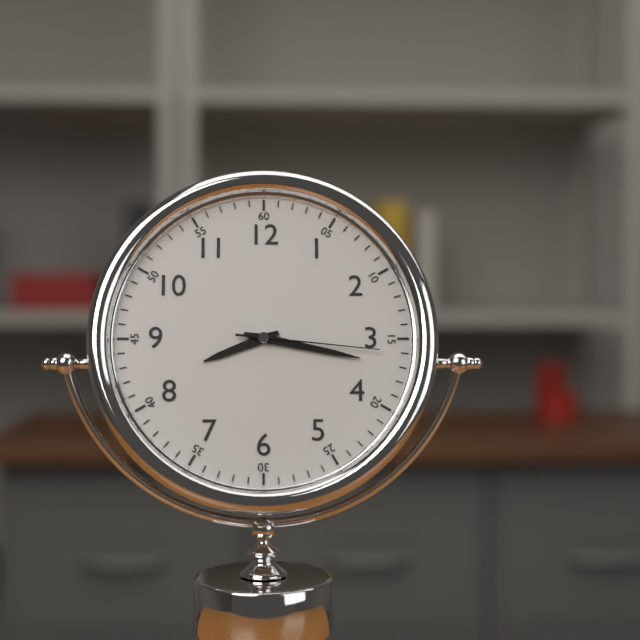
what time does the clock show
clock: 8:17:16
